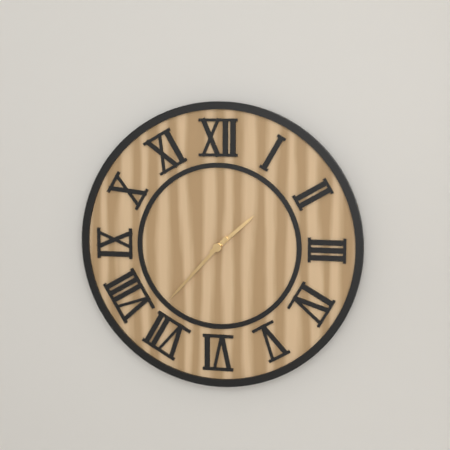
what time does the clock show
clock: 1:37
